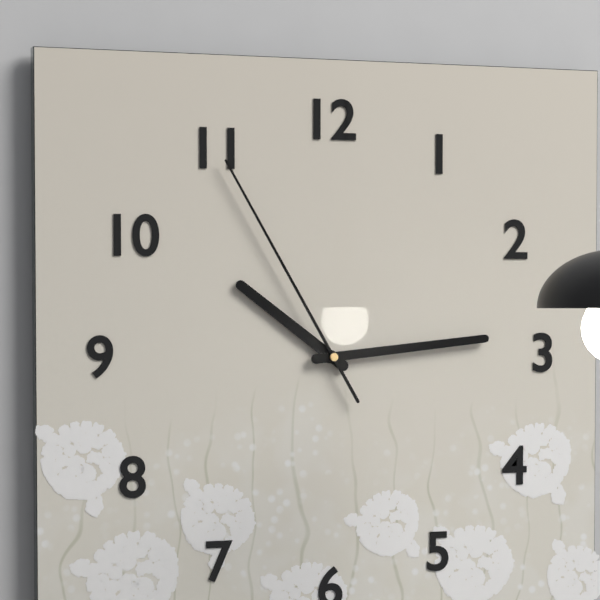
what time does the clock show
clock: 10:14:55
